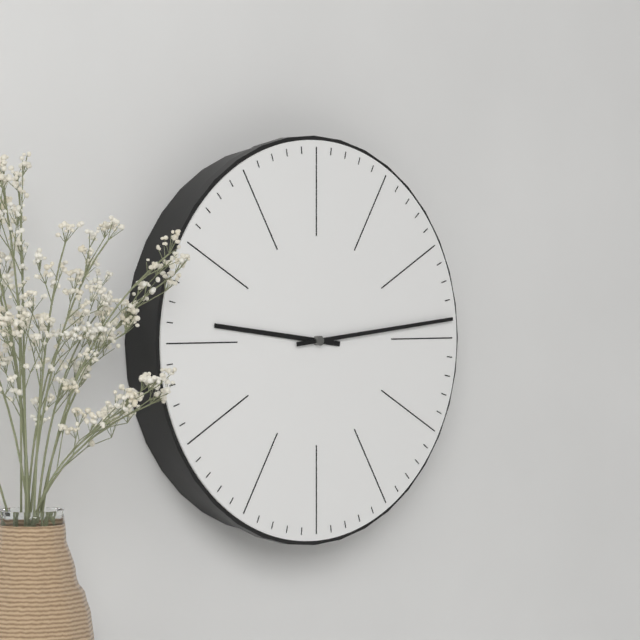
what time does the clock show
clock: 9:14
